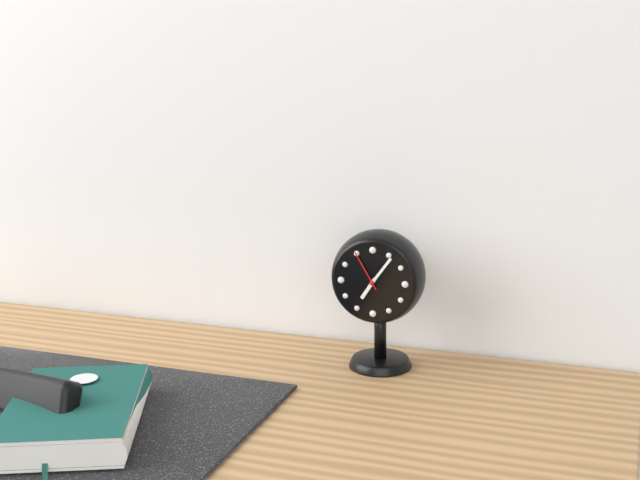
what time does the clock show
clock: 7:06
